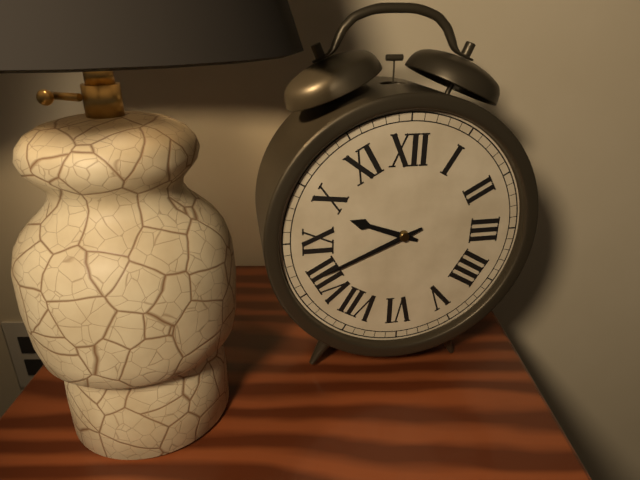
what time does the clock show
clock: 9:41
